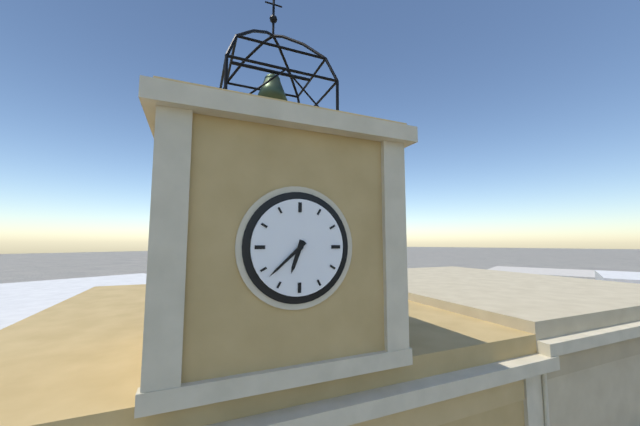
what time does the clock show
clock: 6:38
